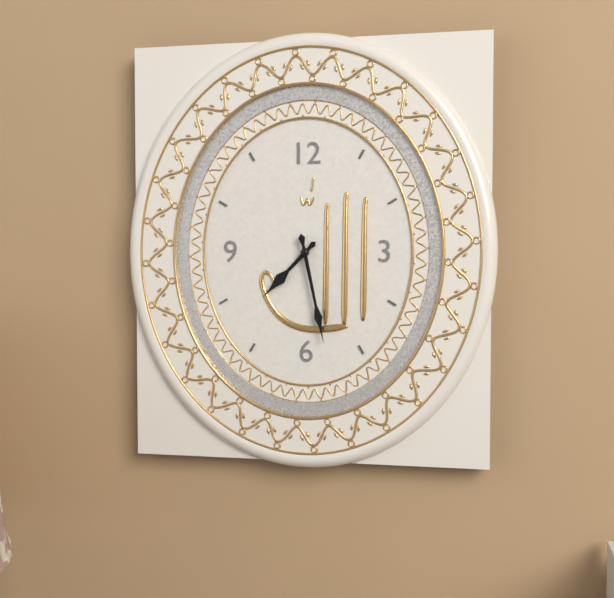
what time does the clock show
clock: 7:28
